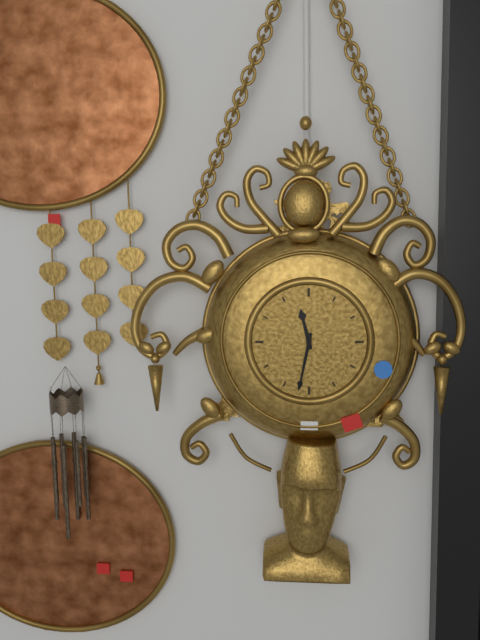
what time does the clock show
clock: 11:32
